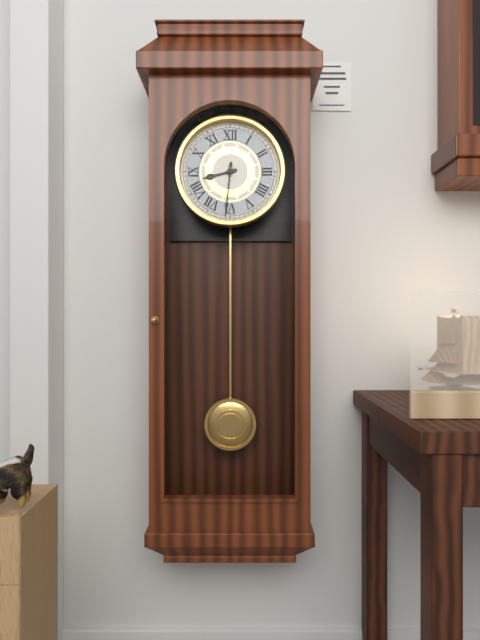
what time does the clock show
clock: 8:31
